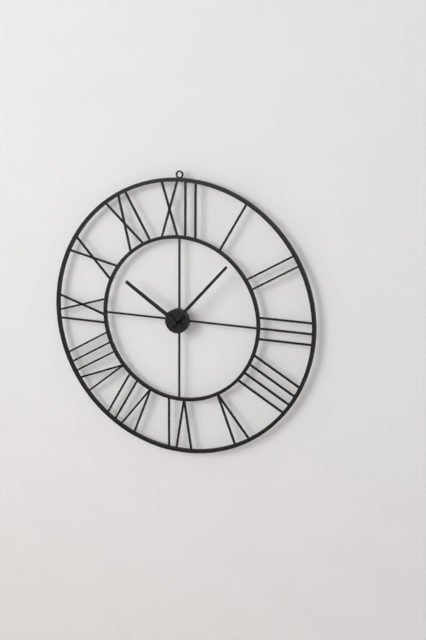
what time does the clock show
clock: 10:07
